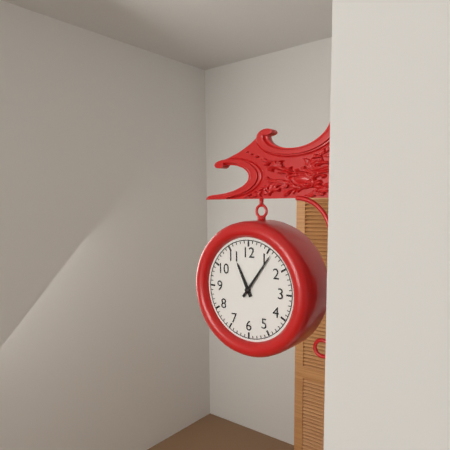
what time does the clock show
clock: 11:06
